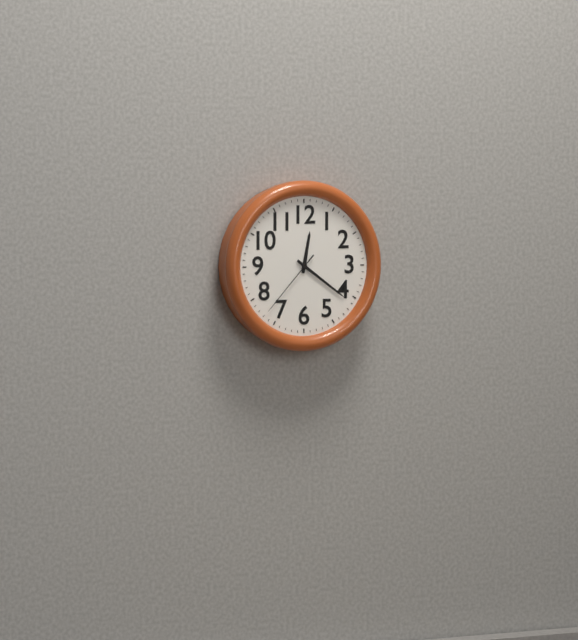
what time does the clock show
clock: 12:21:37
